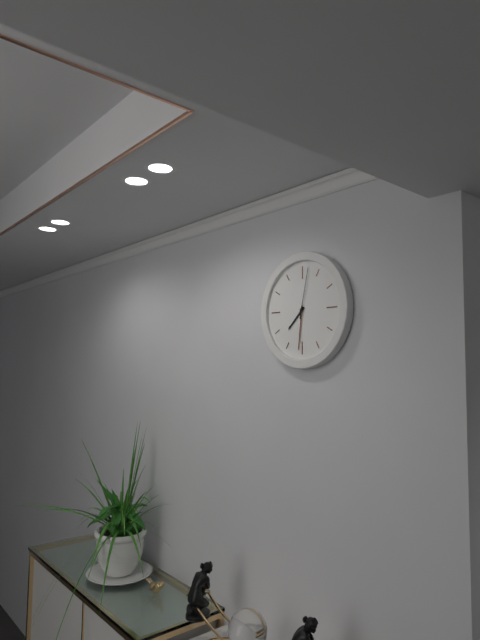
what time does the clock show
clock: 7:31:02
